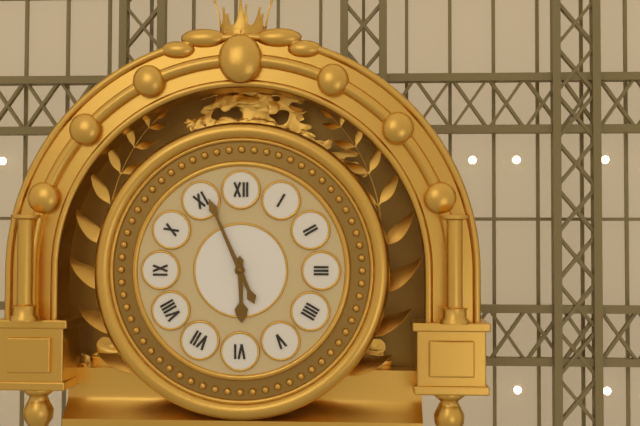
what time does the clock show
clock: 5:56
